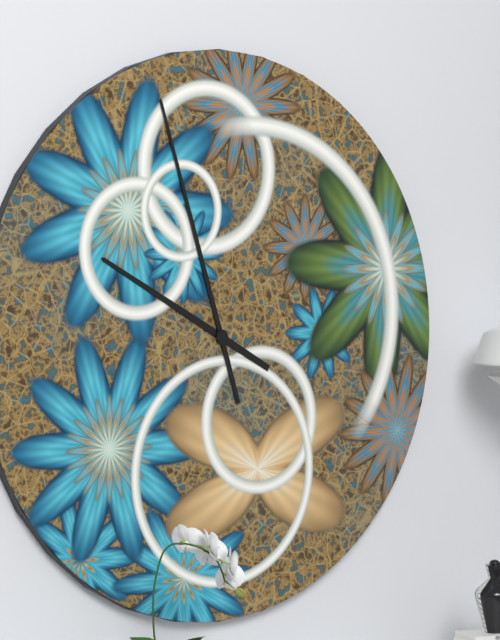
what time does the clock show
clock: 9:57
